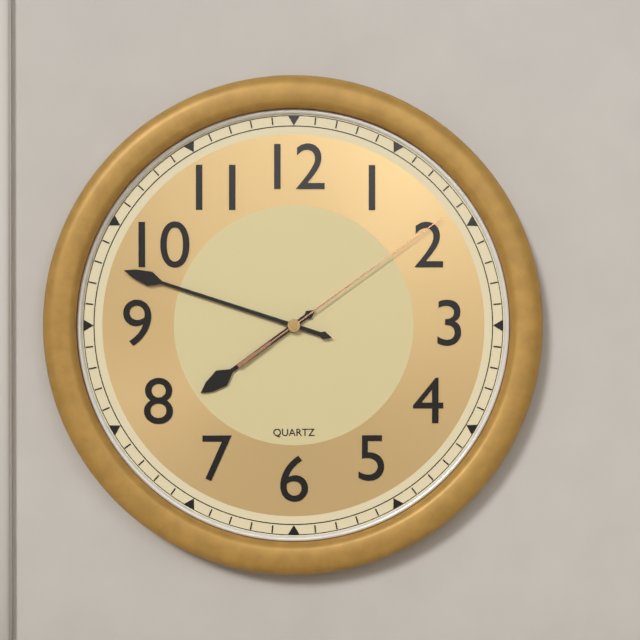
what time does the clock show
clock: 7:48:09
